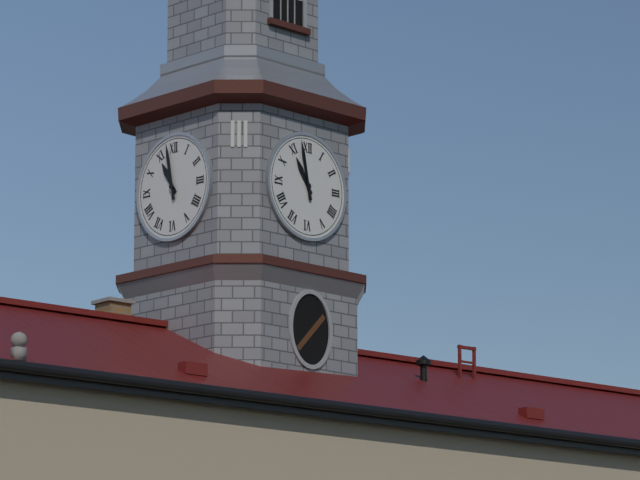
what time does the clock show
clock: 10:58
